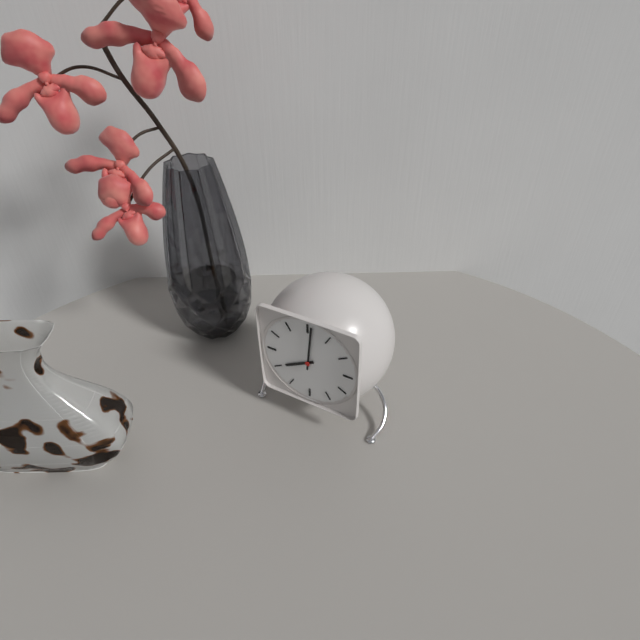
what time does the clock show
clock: 8:01
